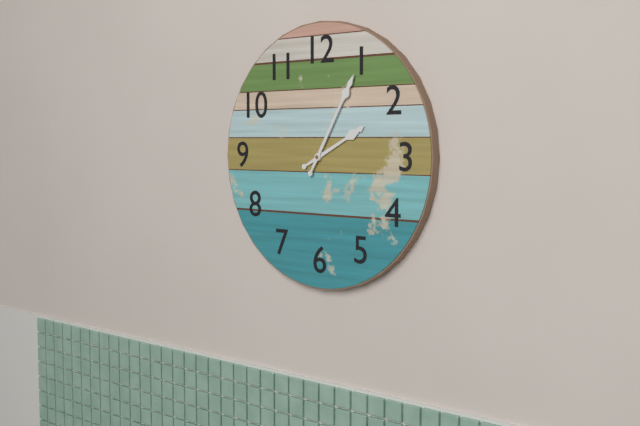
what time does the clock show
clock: 2:05
